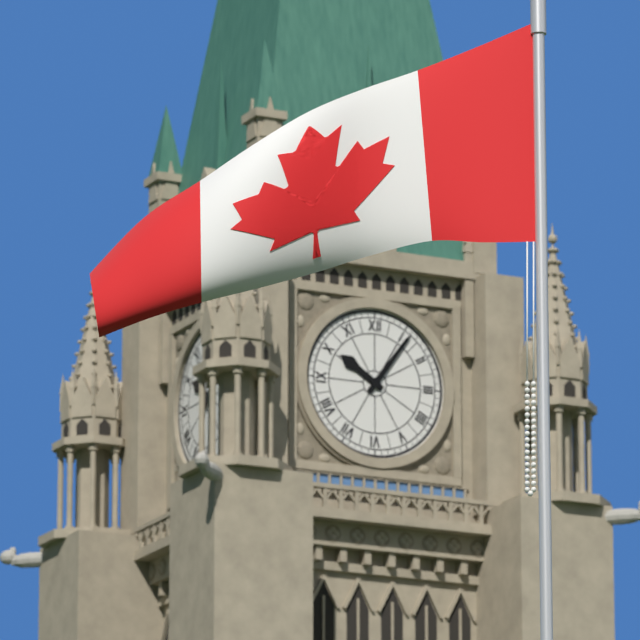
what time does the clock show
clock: 10:06
